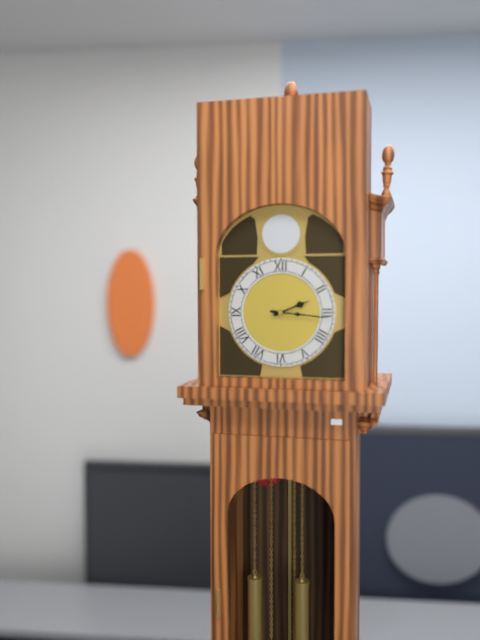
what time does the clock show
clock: 2:16
